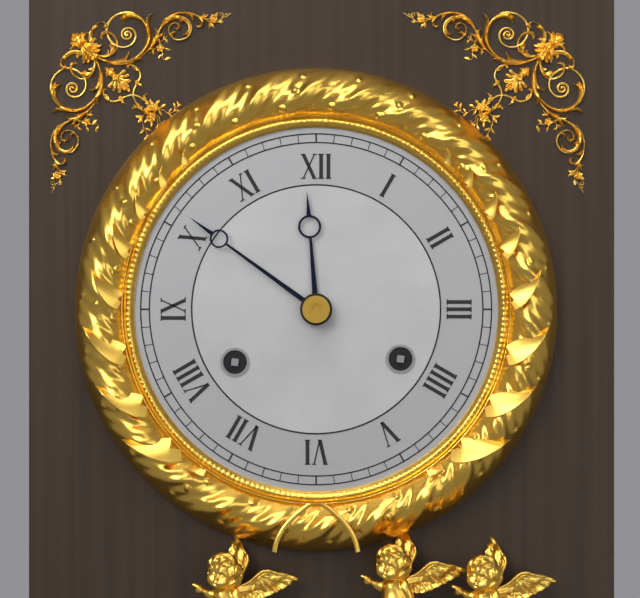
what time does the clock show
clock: 11:51
